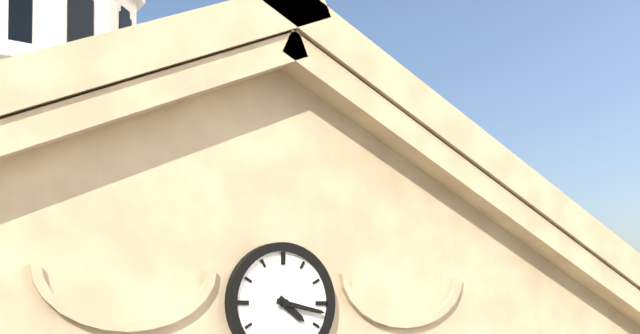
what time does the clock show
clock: 4:17
